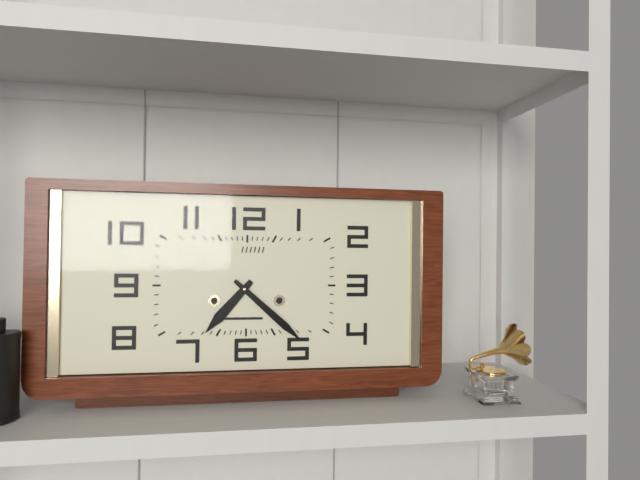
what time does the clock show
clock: 7:22
